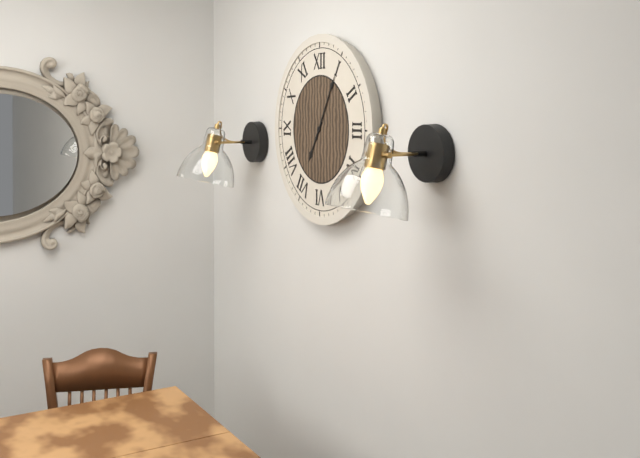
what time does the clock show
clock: 7:05
